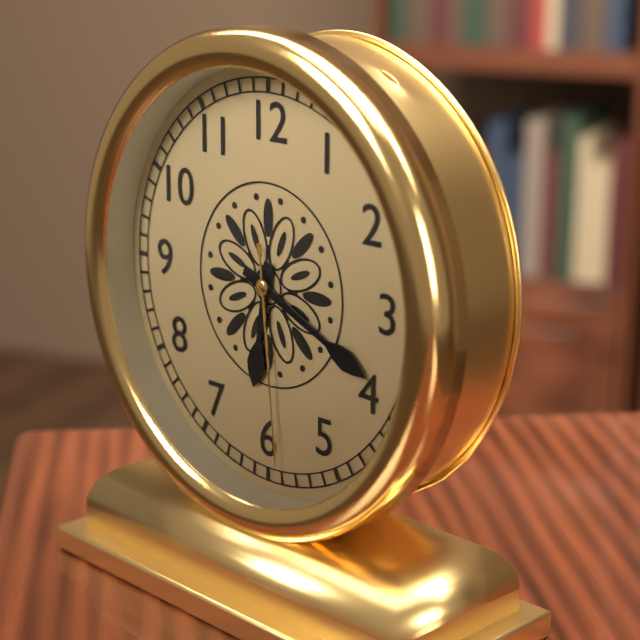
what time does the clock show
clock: 6:19:29
